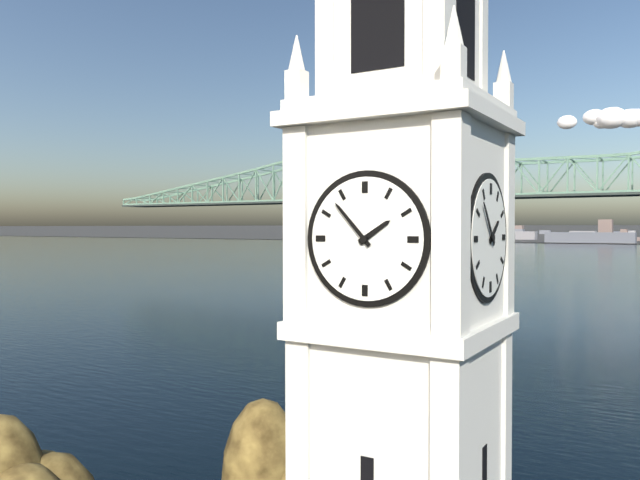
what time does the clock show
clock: 1:53
